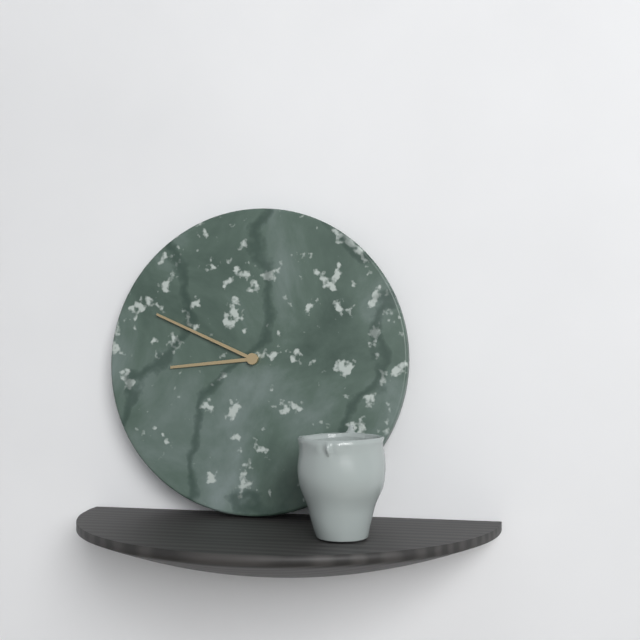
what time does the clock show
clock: 8:49
